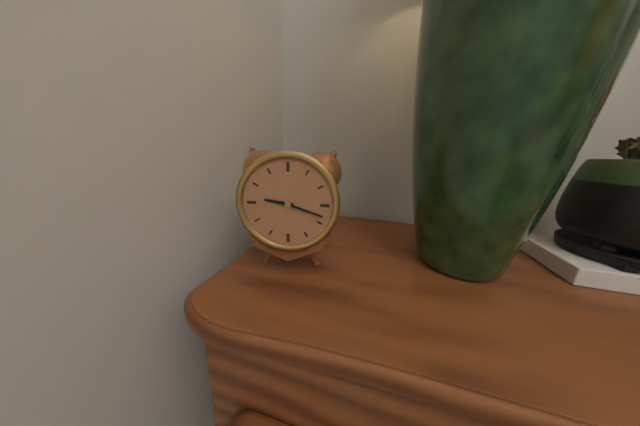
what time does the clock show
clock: 9:18
